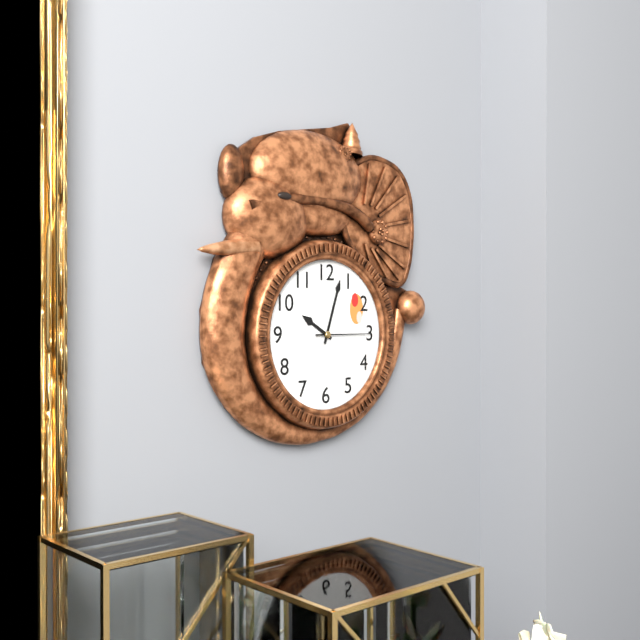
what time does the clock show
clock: 10:03:15
